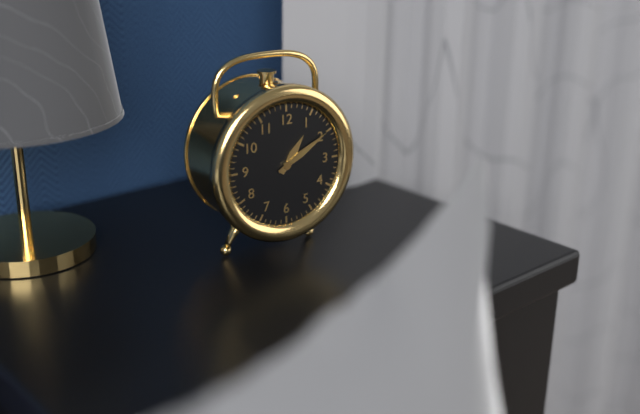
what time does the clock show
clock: 1:10
